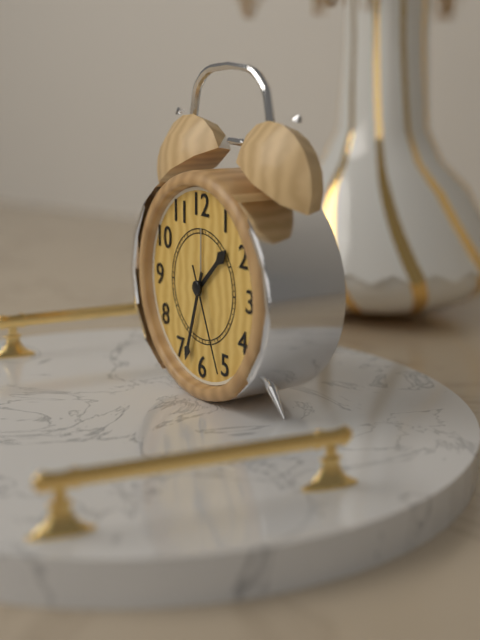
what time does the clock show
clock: 1:33:26
